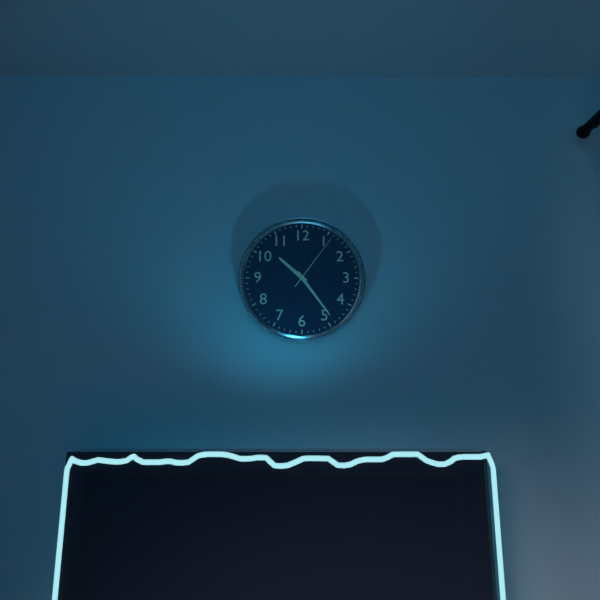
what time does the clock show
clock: 10:24:06
